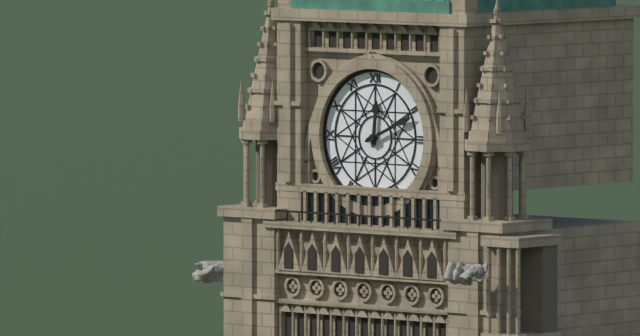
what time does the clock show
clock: 12:11
